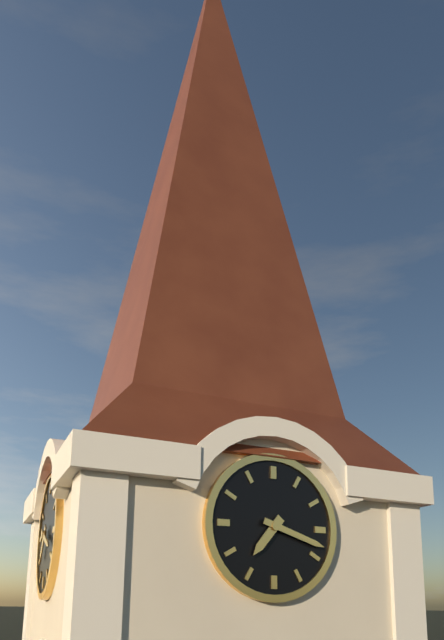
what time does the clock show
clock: 7:18
